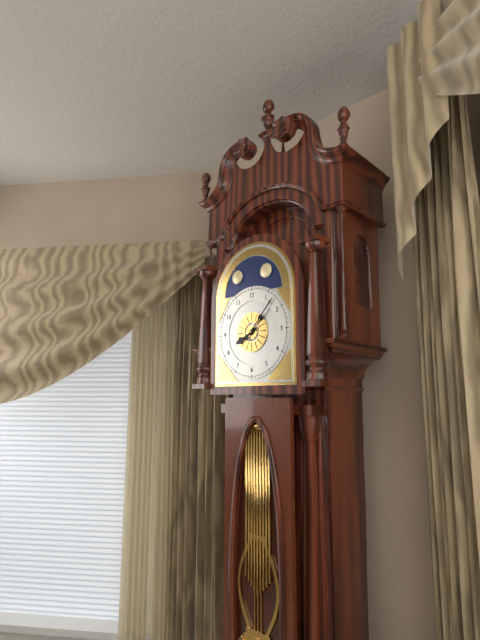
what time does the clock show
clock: 8:07
